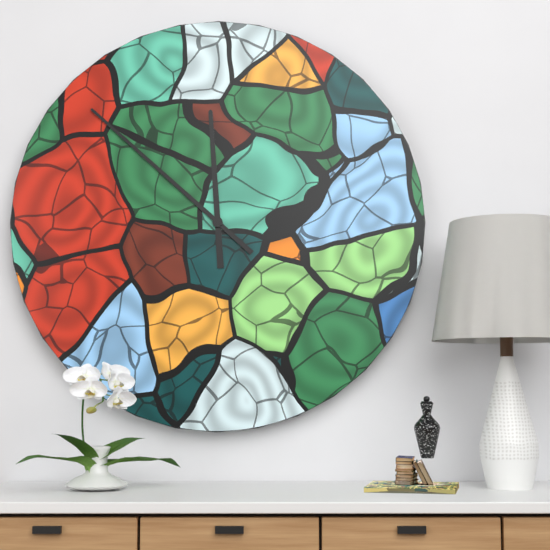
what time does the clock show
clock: 11:52
